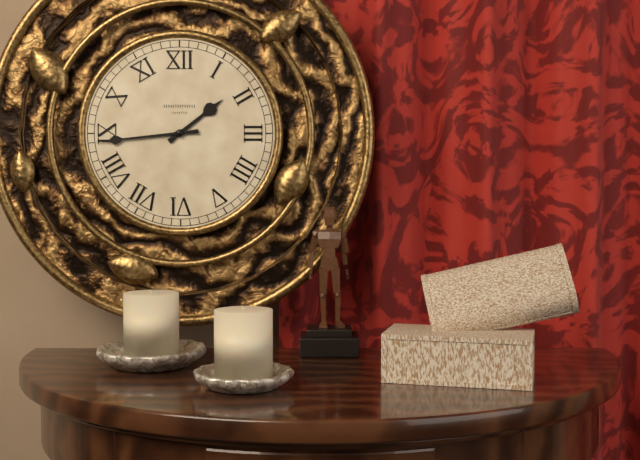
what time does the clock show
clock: 1:44
